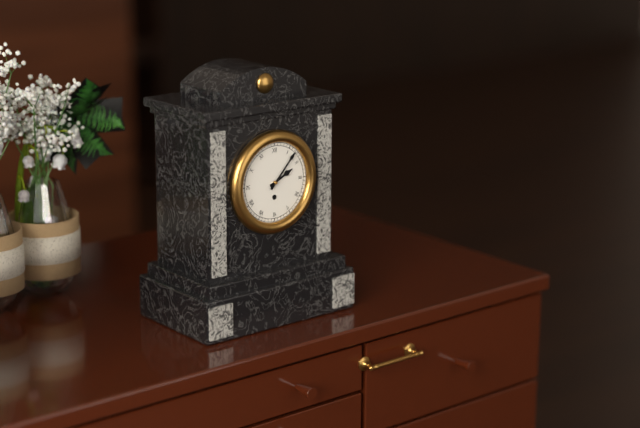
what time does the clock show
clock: 2:07
